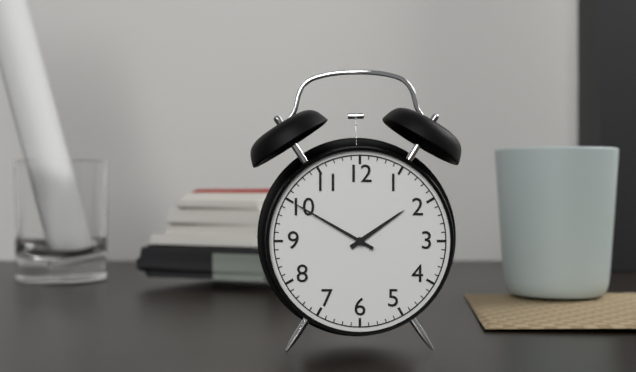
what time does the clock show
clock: 1:50
